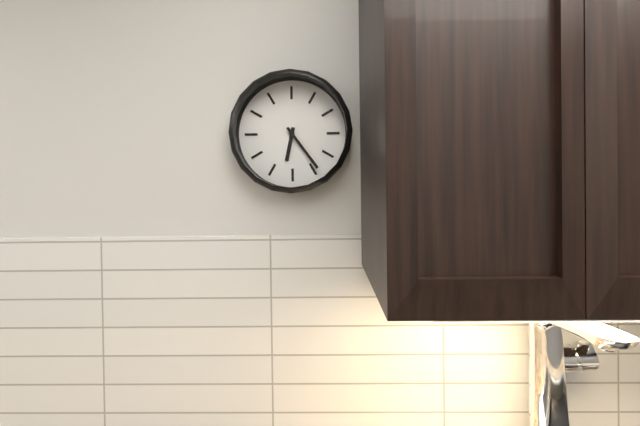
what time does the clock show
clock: 6:24
